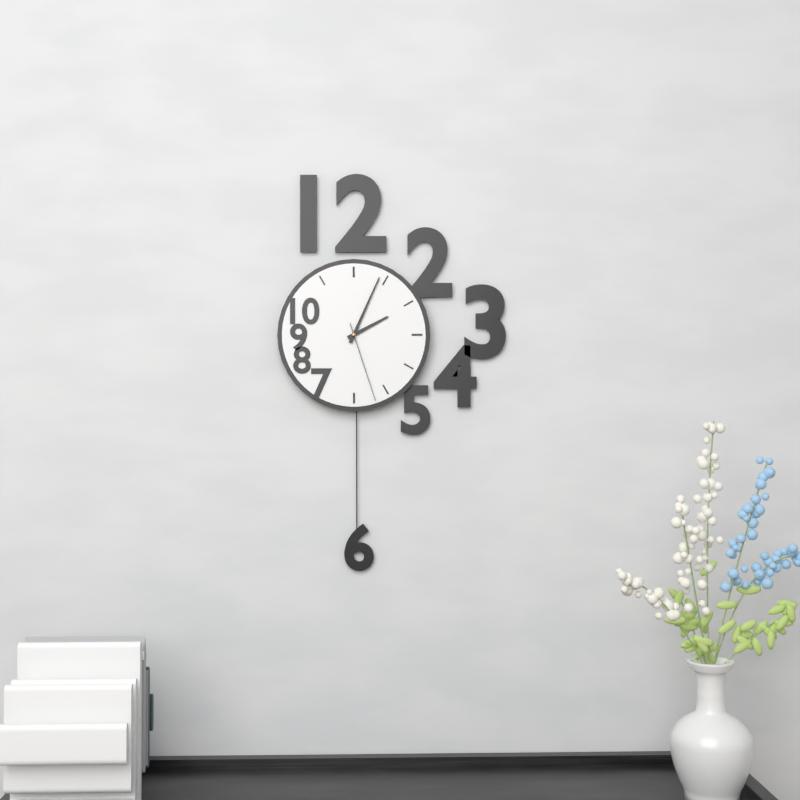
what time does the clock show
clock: 2:04:27
